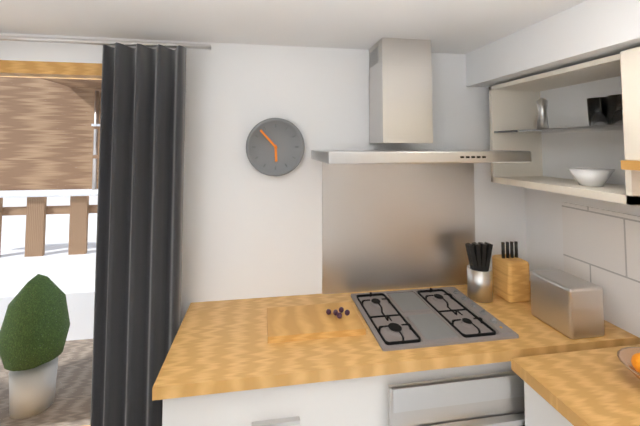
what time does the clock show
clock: 5:53
